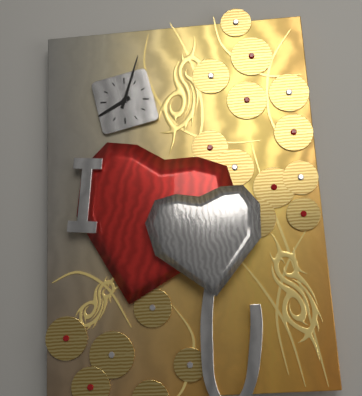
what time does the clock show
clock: 8:03
